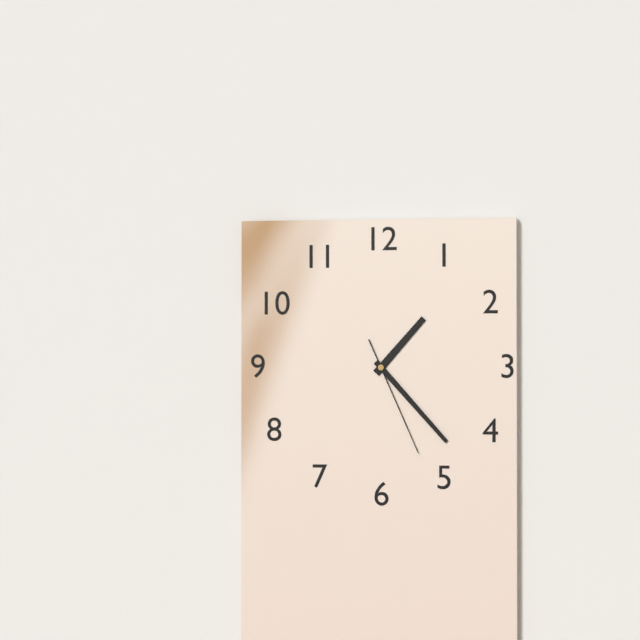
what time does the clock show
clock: 1:23:26
